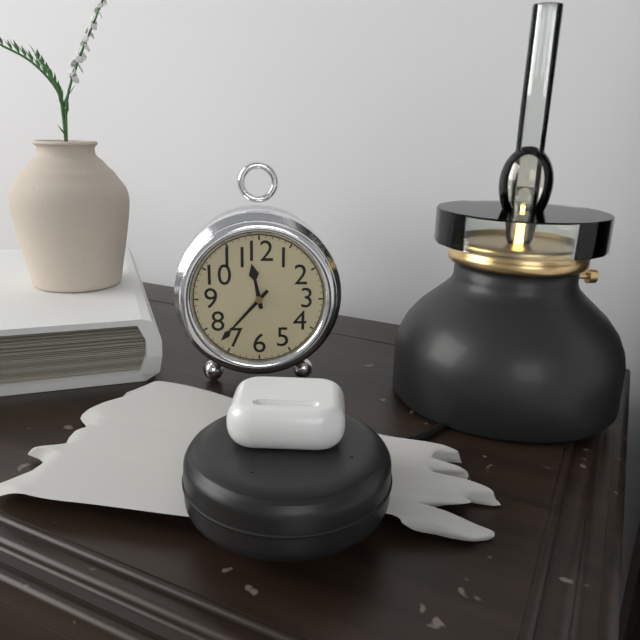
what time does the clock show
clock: 11:37
